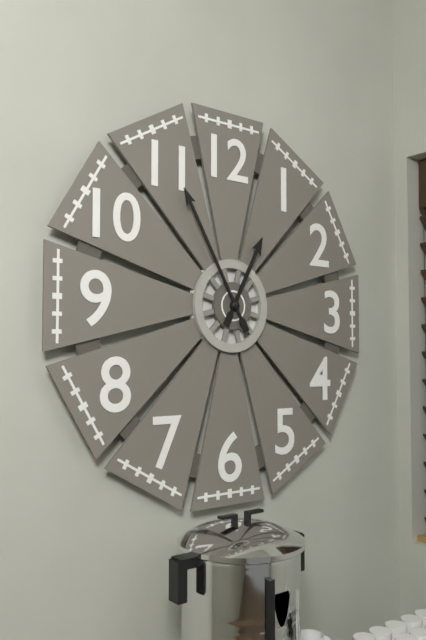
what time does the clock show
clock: 12:55
